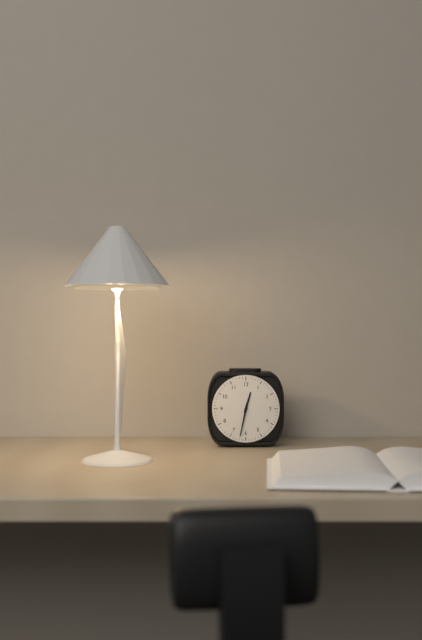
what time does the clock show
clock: 12:32
